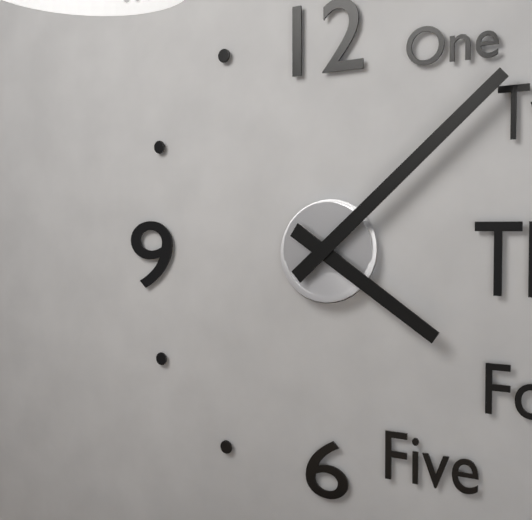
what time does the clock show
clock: 4:08
